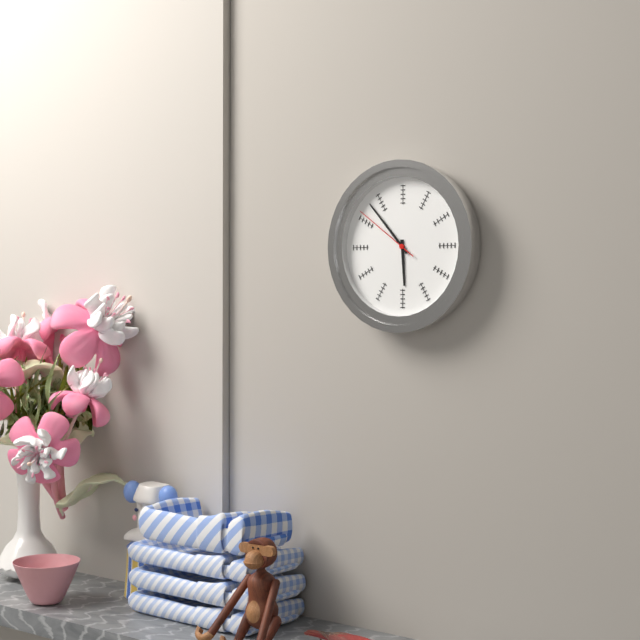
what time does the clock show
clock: 5:53:51
